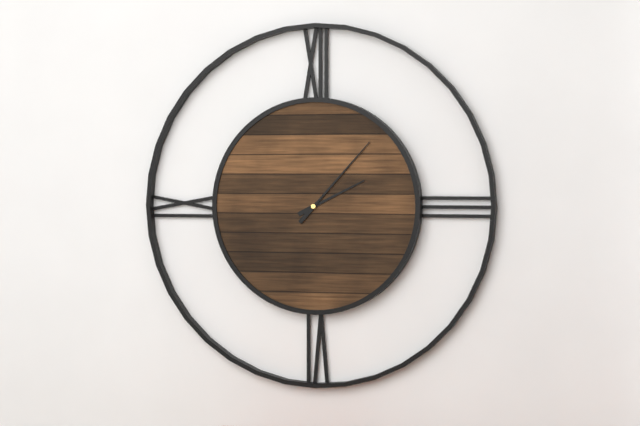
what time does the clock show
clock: 2:07
